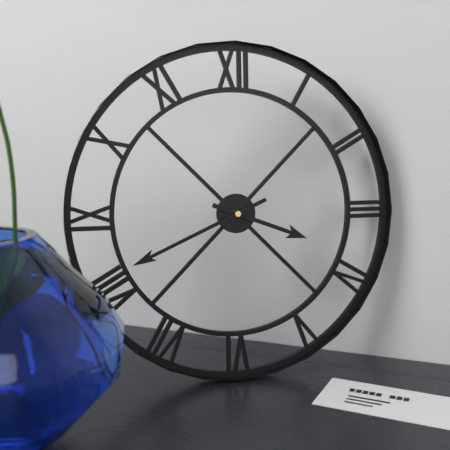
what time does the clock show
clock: 3:41
